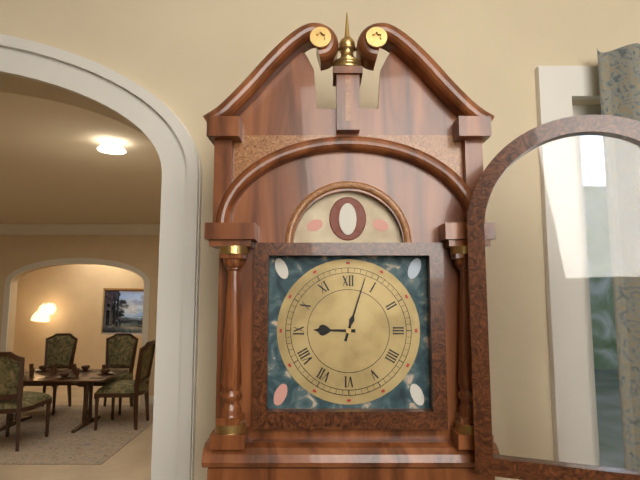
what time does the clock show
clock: 9:03
